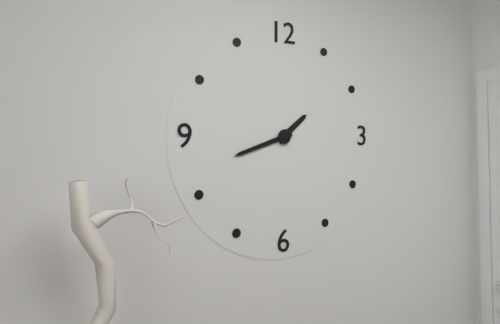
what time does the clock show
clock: 1:42
